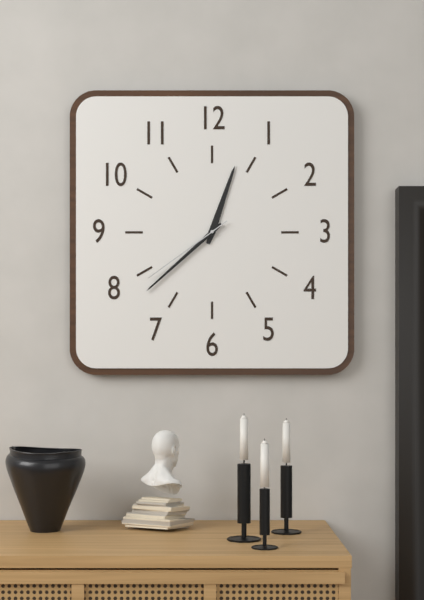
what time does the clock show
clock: 12:38:39
